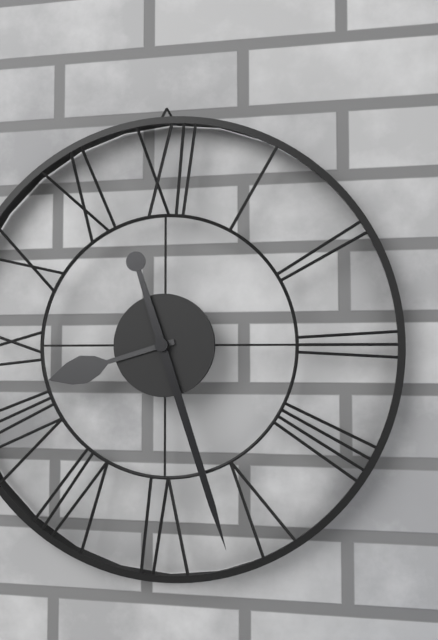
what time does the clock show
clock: 8:27
